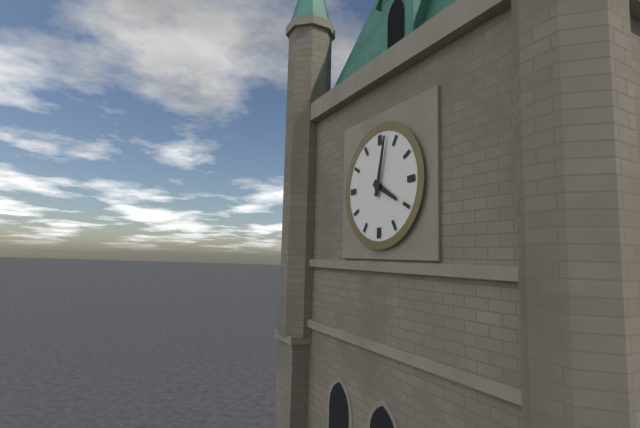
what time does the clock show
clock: 4:02
